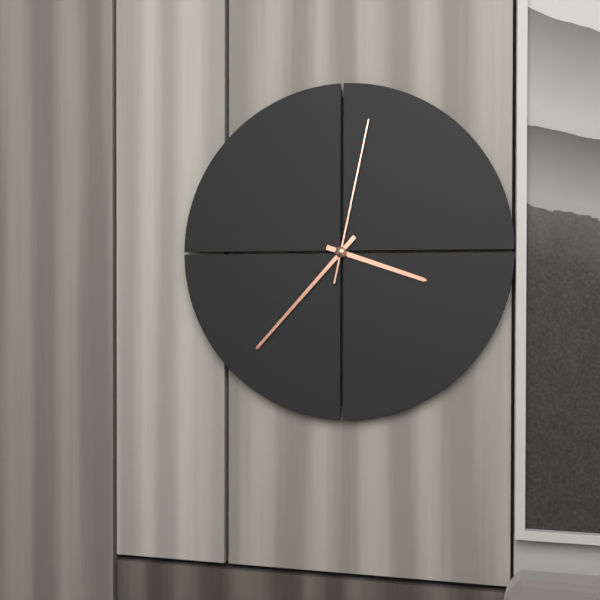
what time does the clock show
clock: 3:37:02
